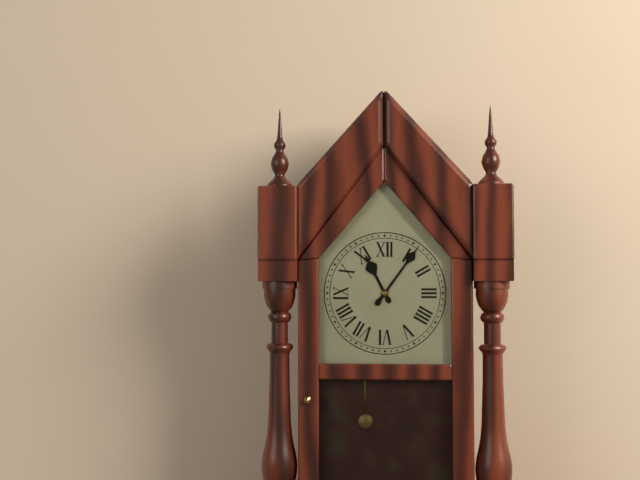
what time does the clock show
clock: 11:06
